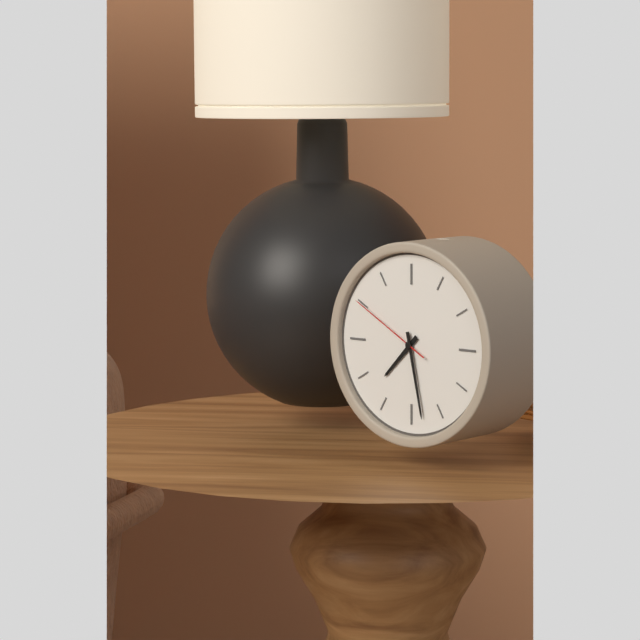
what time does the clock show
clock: 7:28:50
